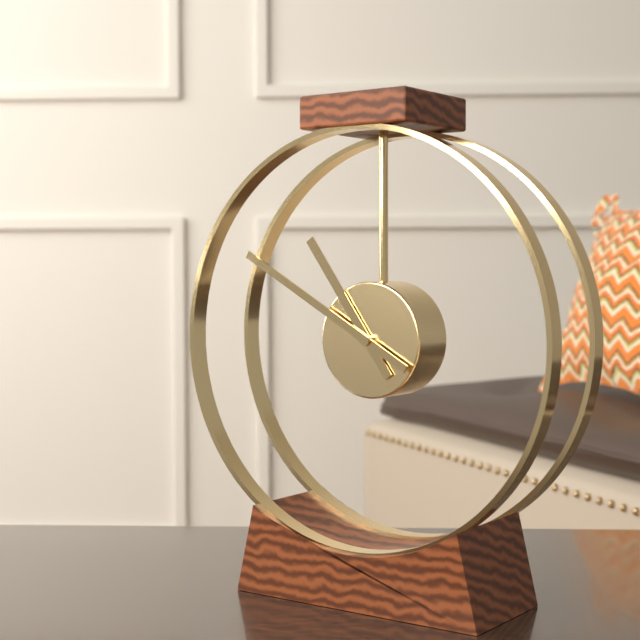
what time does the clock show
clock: 10:50
